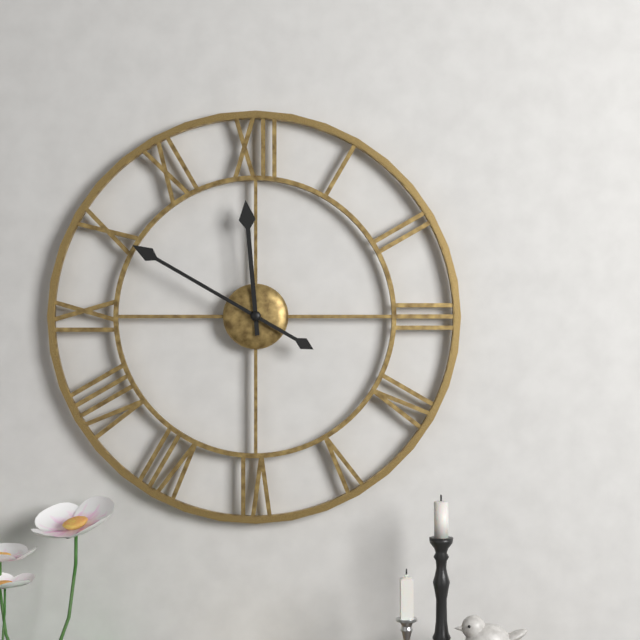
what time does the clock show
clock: 11:50
